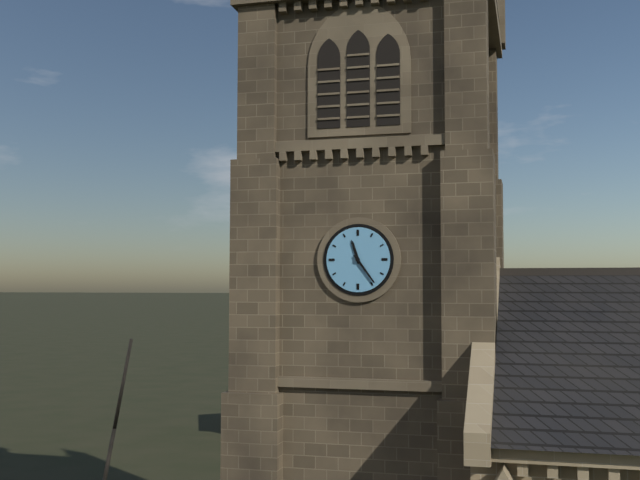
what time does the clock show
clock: 11:24
